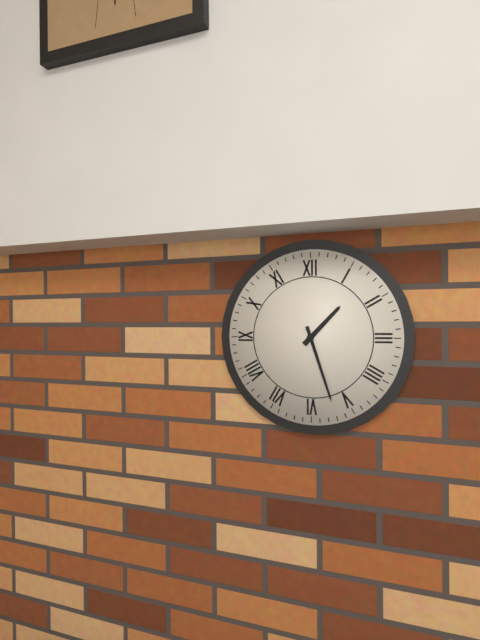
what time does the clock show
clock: 1:27
